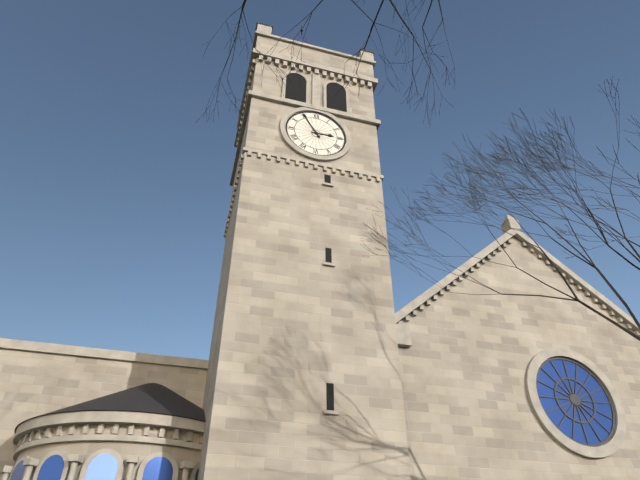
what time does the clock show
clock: 2:55
